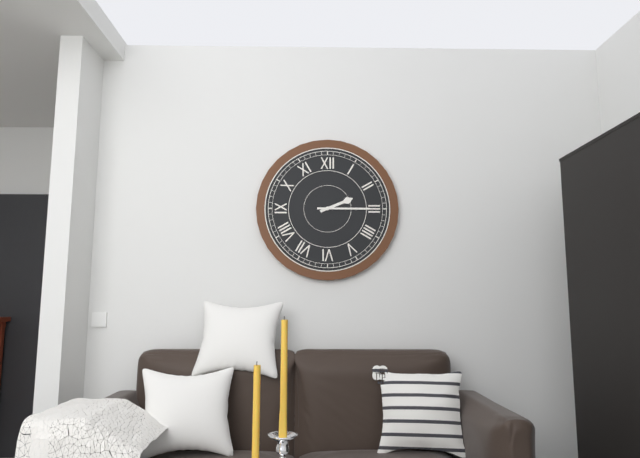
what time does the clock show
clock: 2:15
